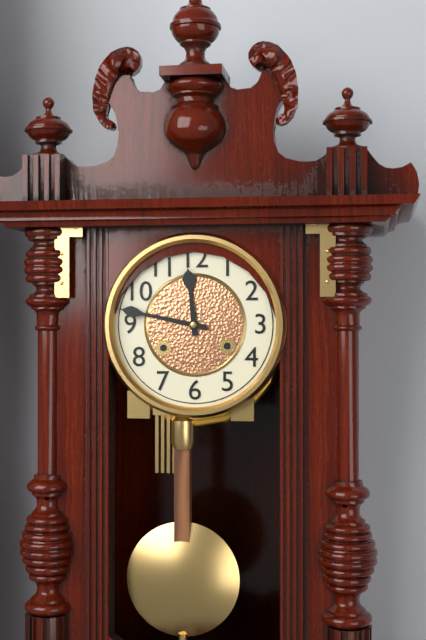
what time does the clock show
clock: 11:47
